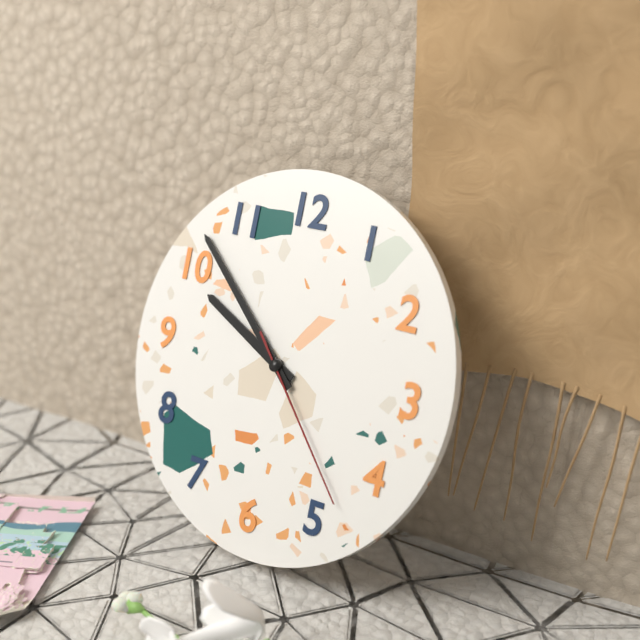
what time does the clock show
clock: 9:52:23
